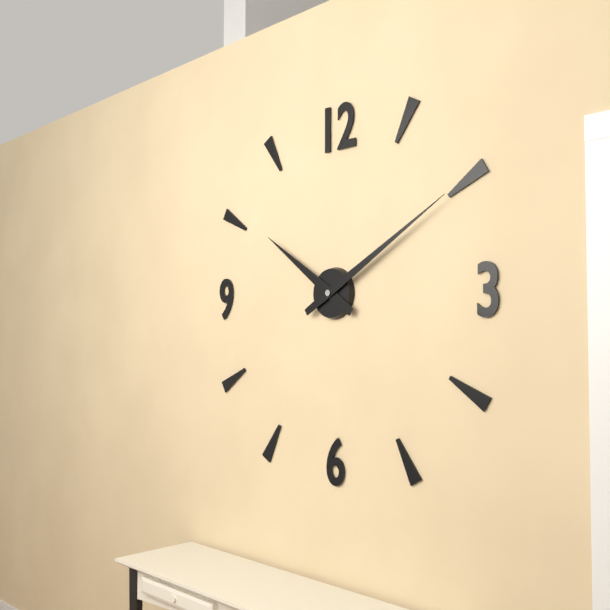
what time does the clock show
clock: 10:10
